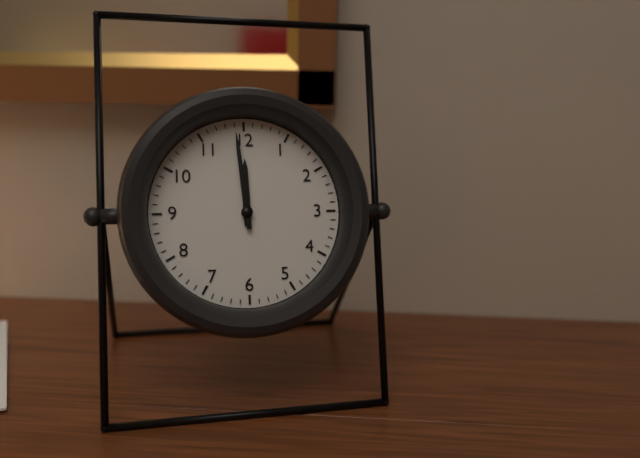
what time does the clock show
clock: 11:59
